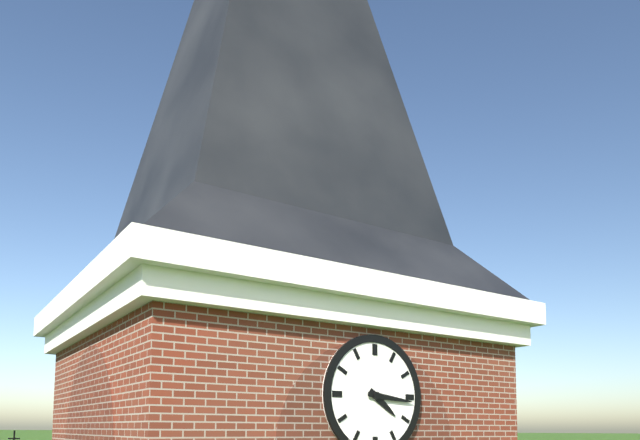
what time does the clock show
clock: 4:16
